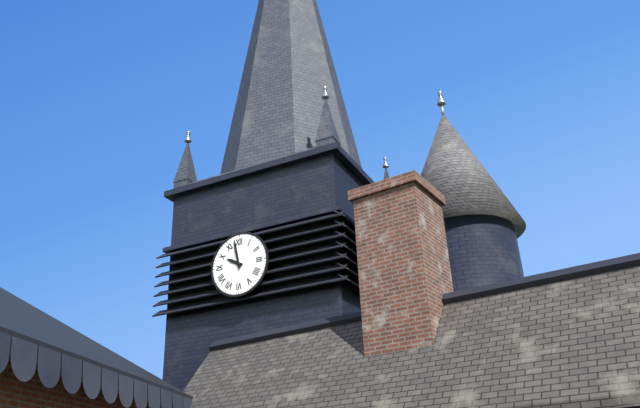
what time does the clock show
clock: 9:58
